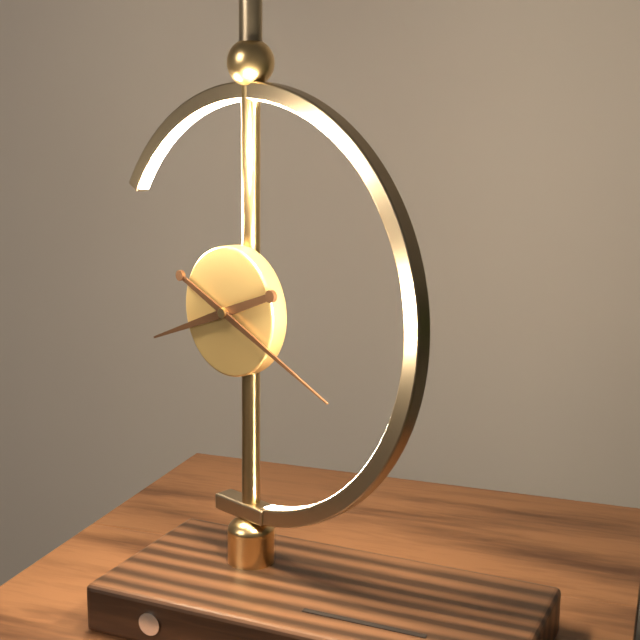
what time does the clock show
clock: 8:19
